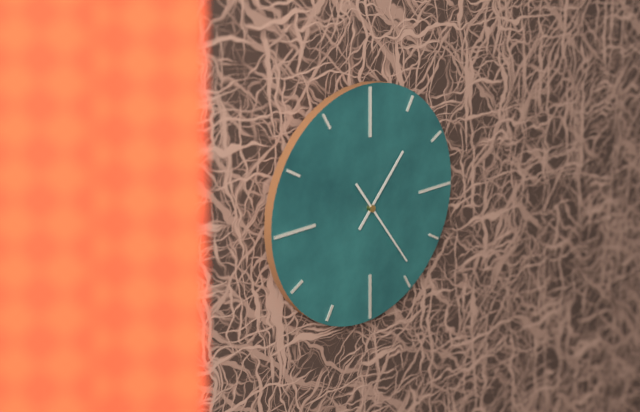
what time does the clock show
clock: 1:24
